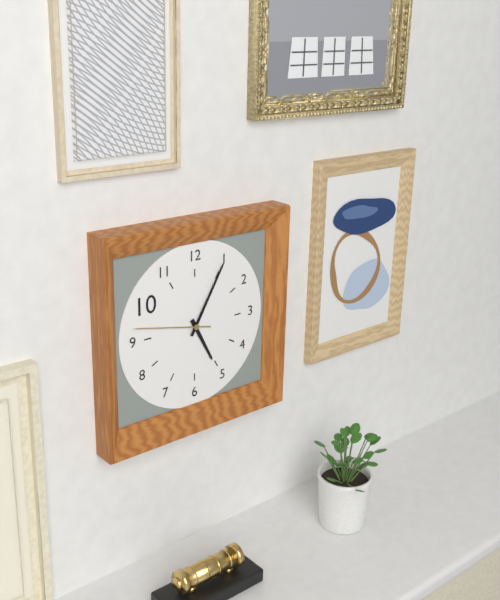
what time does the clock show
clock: 5:05:47
